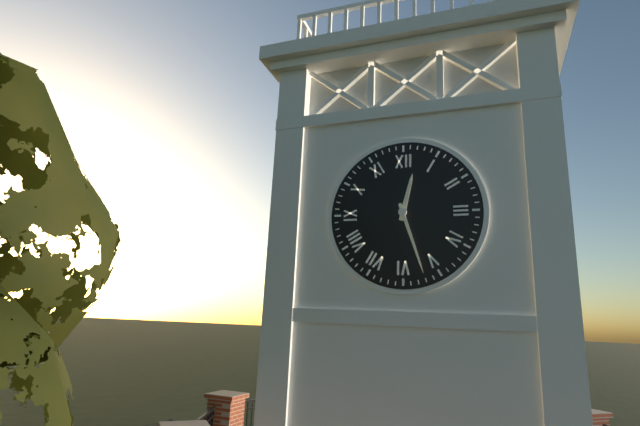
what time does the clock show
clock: 12:27
